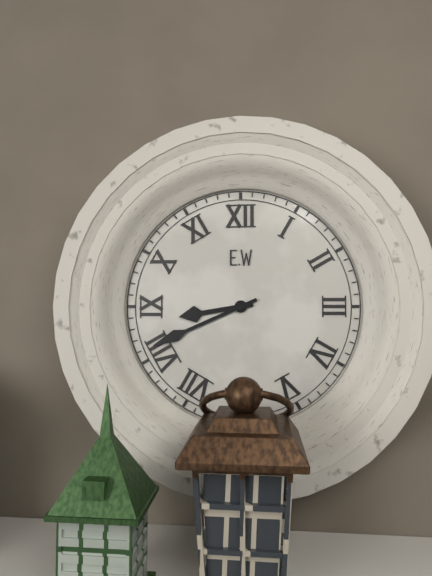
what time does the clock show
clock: 8:41
